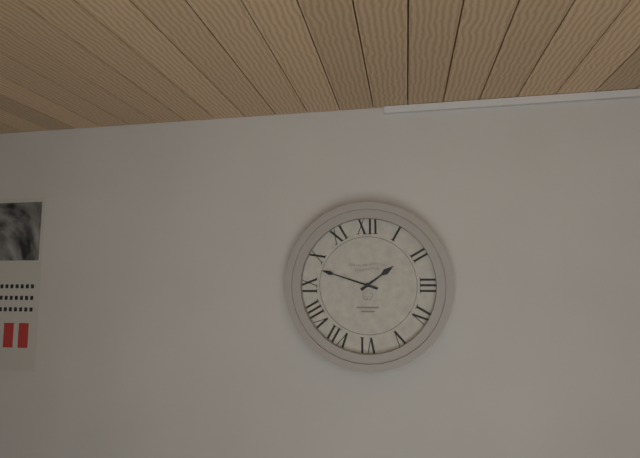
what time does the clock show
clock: 1:48
